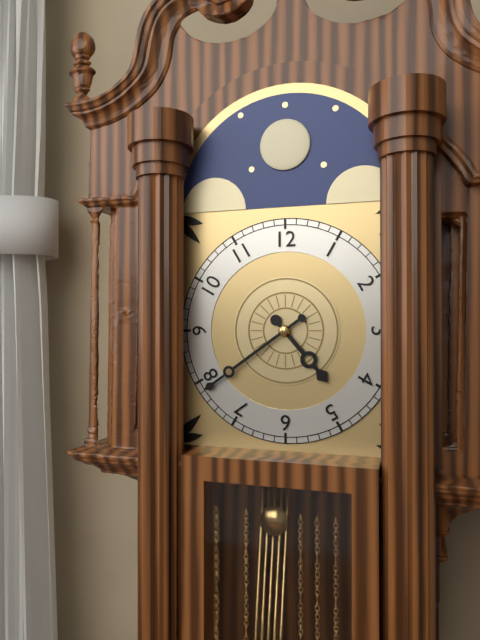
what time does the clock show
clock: 4:39
